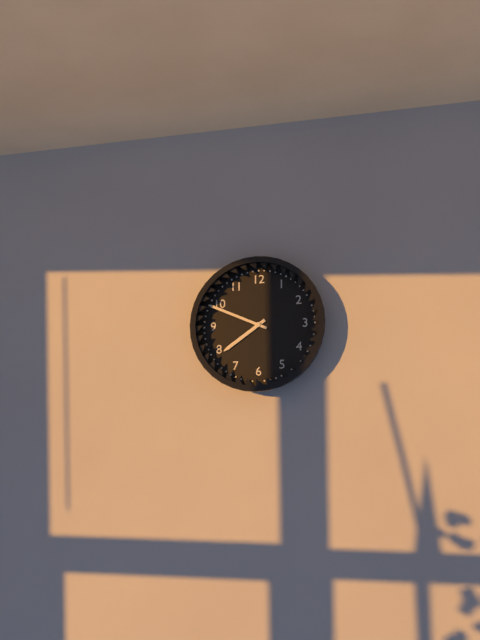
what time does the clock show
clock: 7:49
